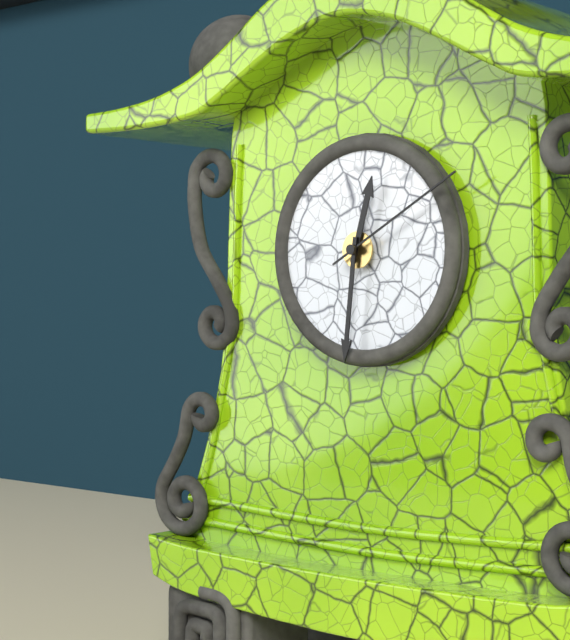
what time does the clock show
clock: 12:31:10
